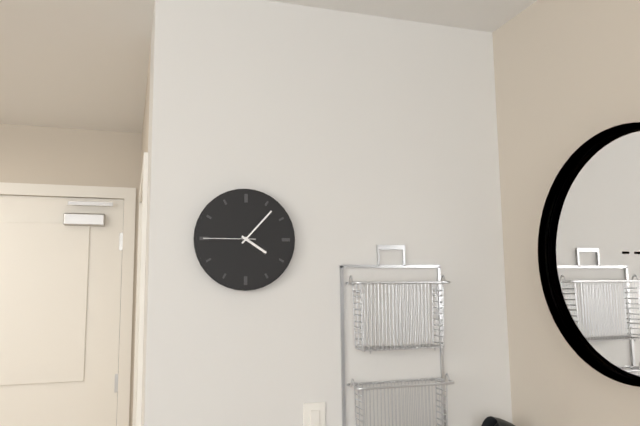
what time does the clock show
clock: 4:07:45
